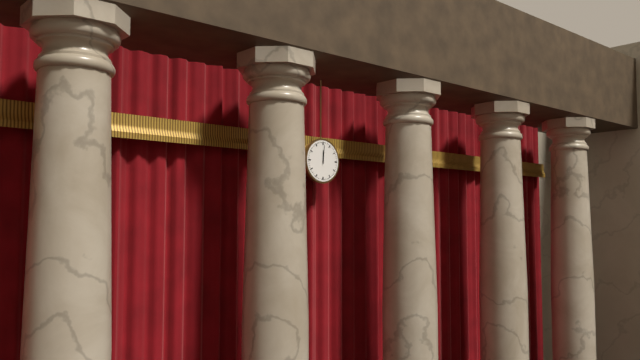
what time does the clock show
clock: 12:01
